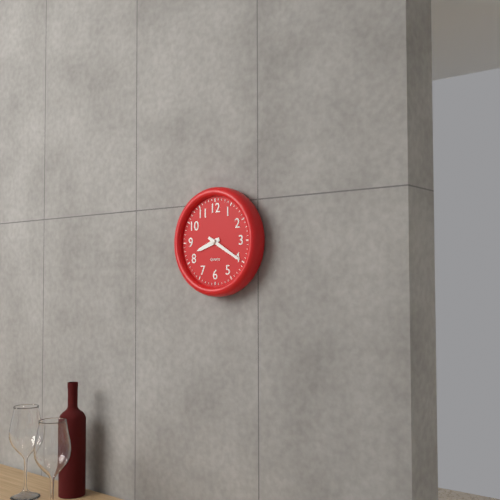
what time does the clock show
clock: 8:20
